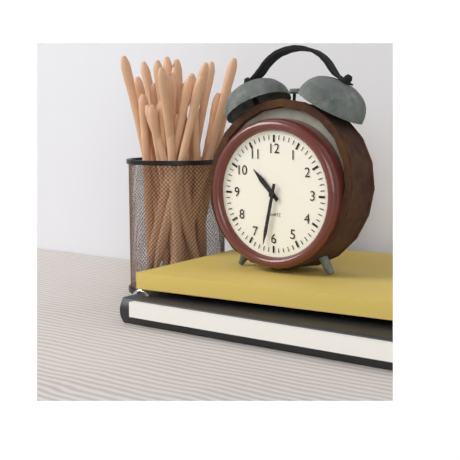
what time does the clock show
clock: 10:32
